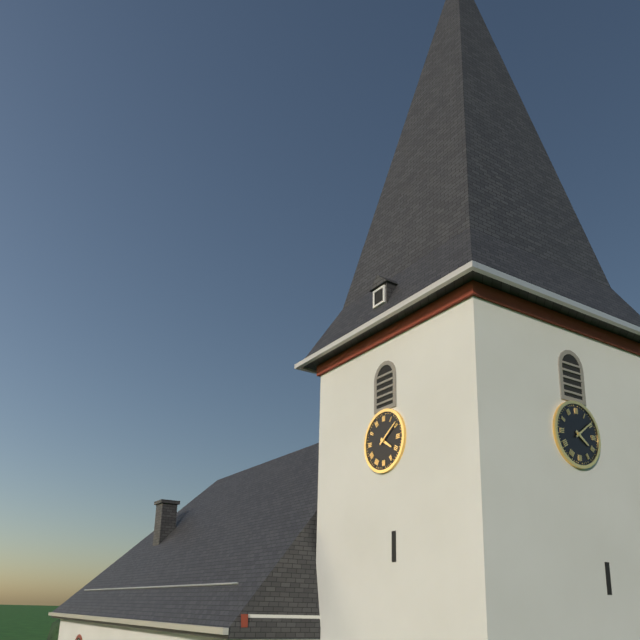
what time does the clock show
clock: 4:09
